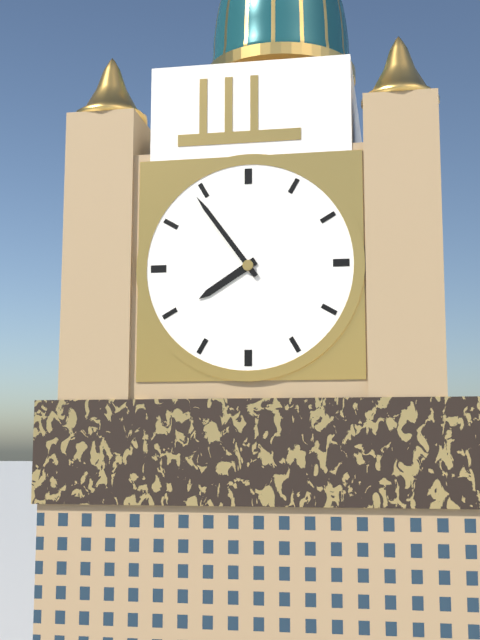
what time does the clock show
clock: 7:54
